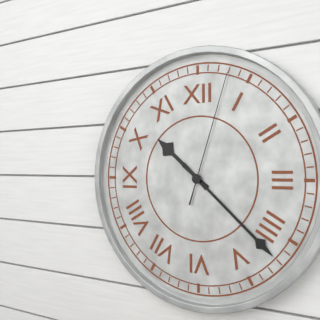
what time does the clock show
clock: 10:22:03
